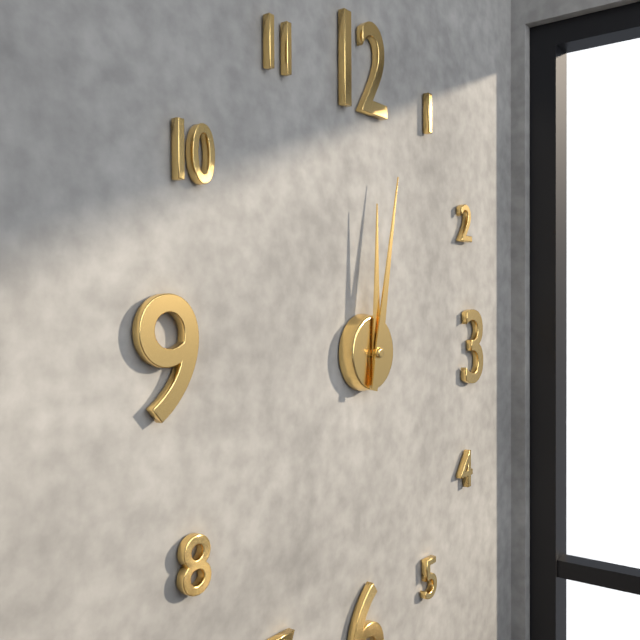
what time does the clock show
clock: 12:02
